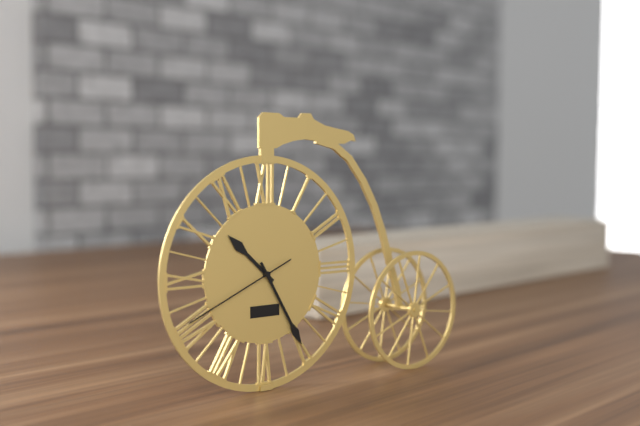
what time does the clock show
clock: 10:25:41
